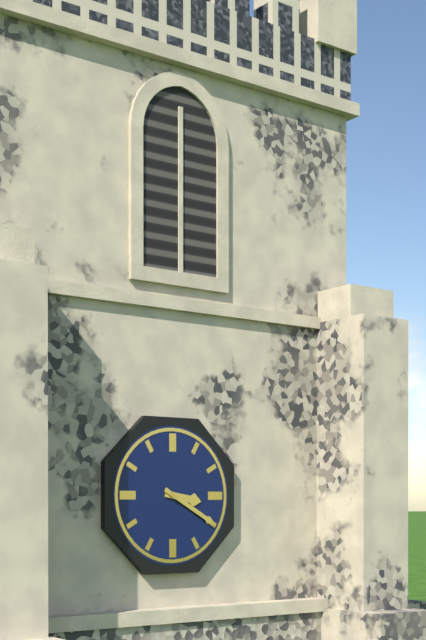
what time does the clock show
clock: 3:20
